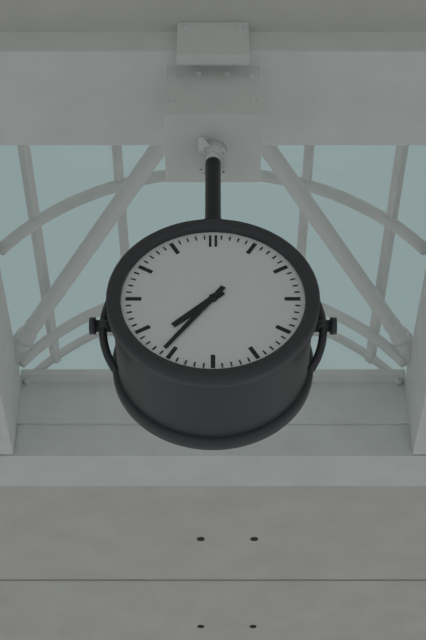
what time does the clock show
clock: 7:36
